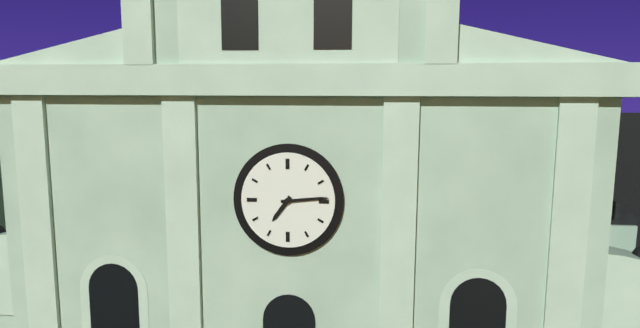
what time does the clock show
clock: 7:14
